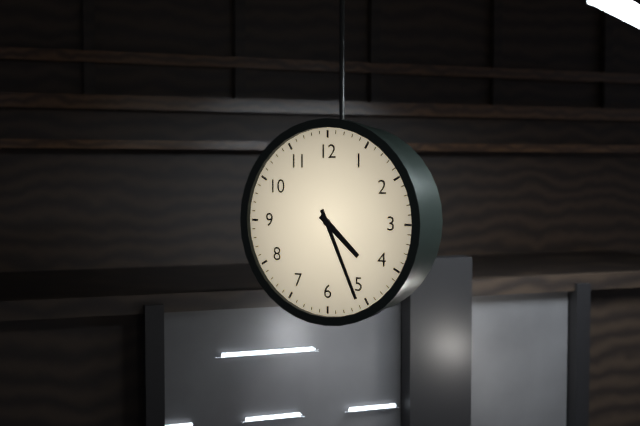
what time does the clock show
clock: 4:26
